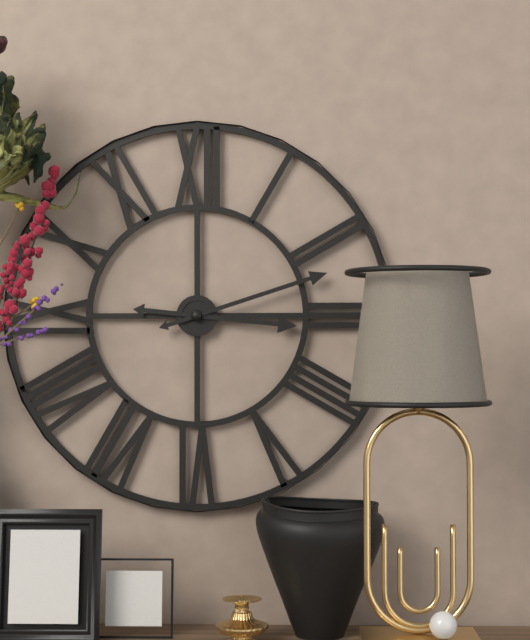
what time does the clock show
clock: 3:12
